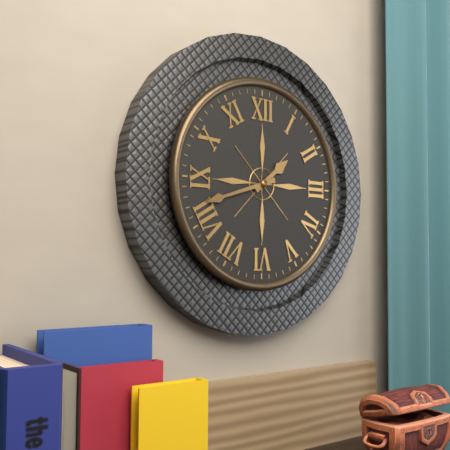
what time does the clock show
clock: 1:42
